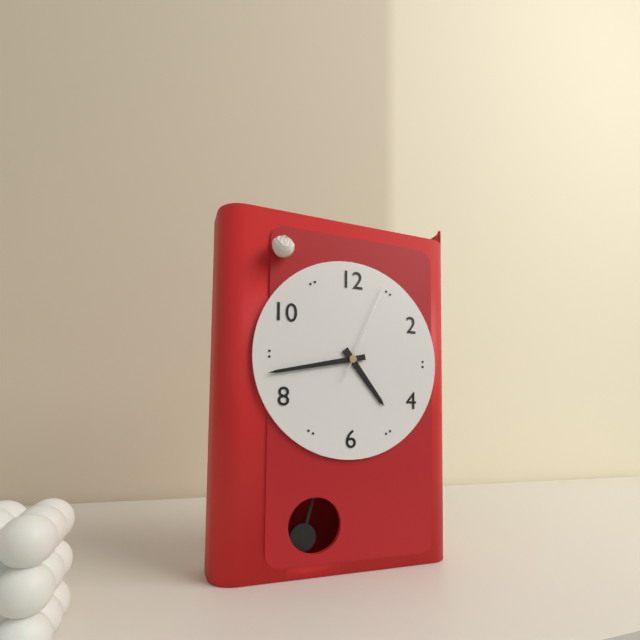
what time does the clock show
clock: 4:43:04
